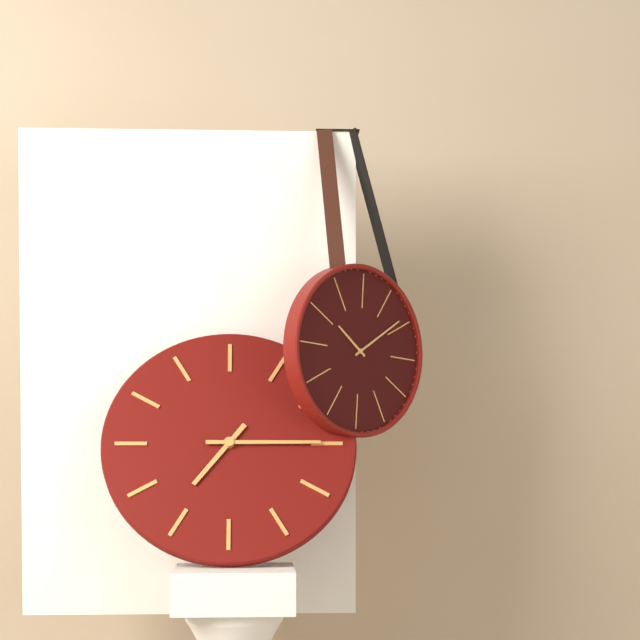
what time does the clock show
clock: 7:15
